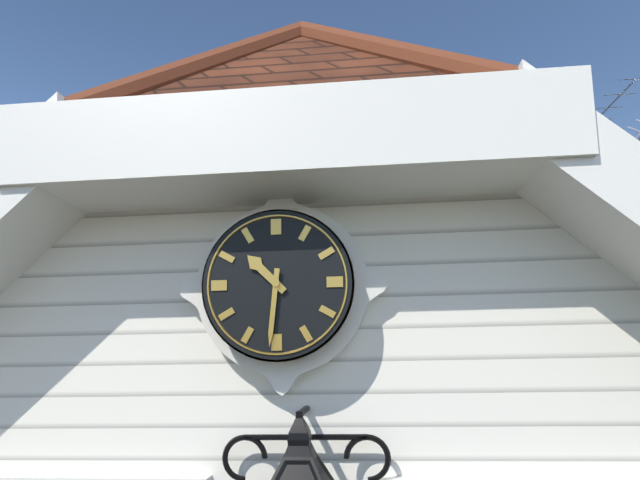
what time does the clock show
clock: 10:31
